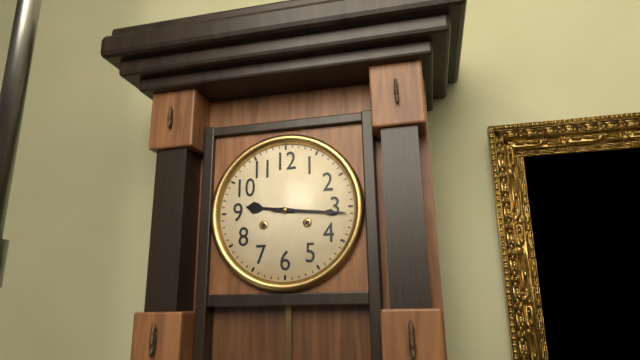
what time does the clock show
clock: 9:16
